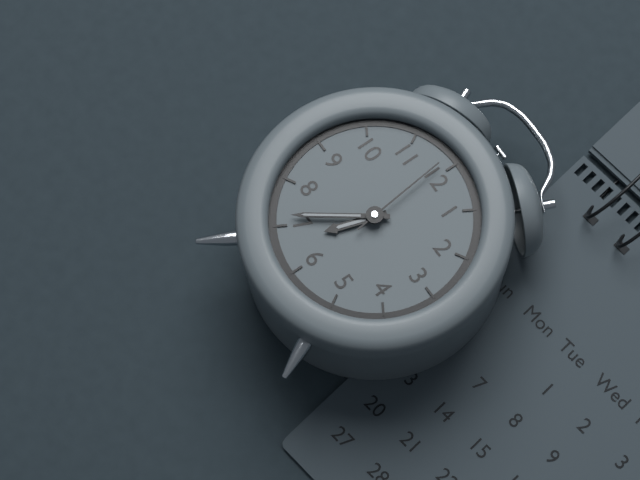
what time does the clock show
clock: 6:36:59
